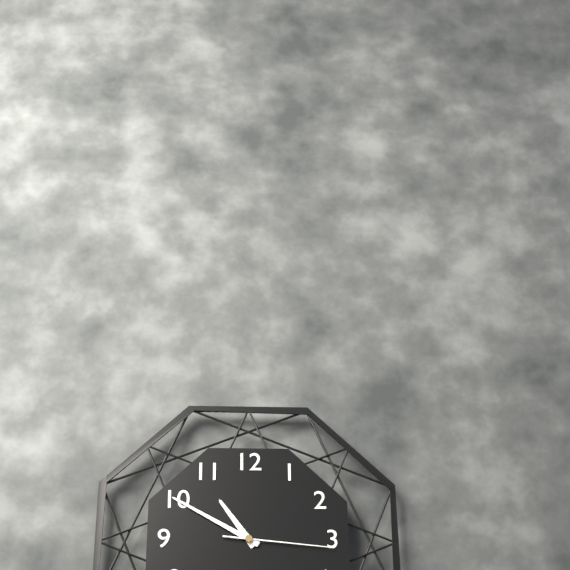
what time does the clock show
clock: 10:50:16
